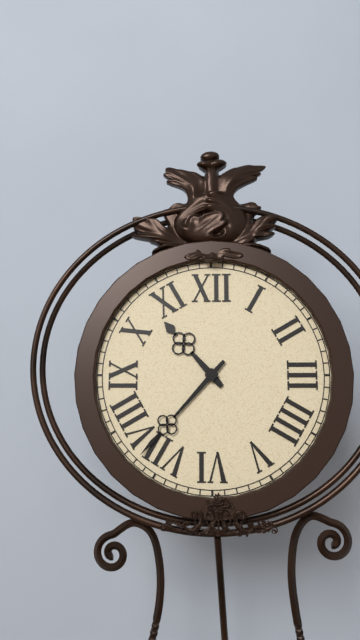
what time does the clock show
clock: 10:37
